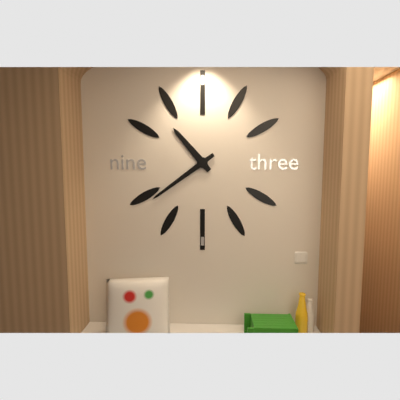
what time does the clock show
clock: 10:39
